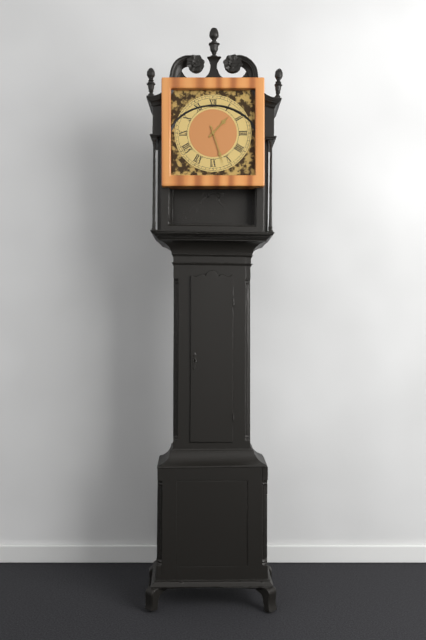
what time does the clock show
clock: 1:27
